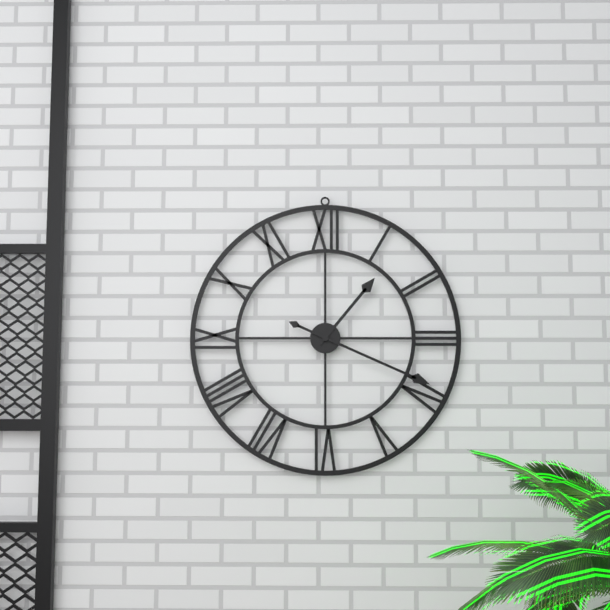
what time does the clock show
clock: 1:19
